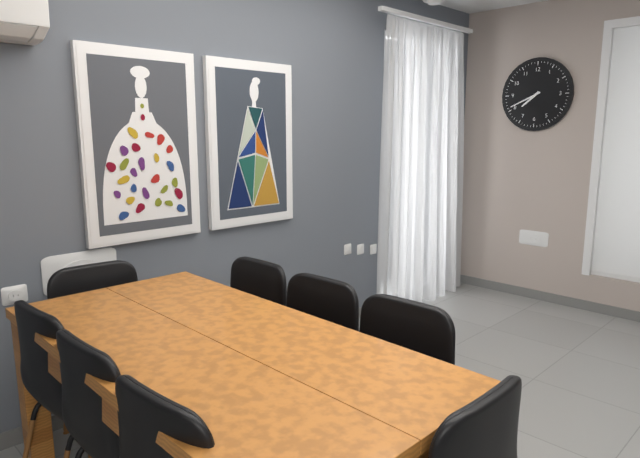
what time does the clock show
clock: 7:41
